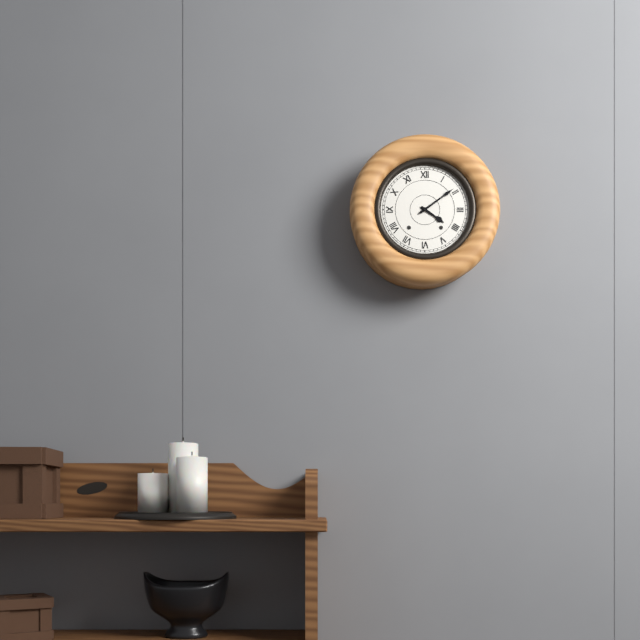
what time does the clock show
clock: 4:09
